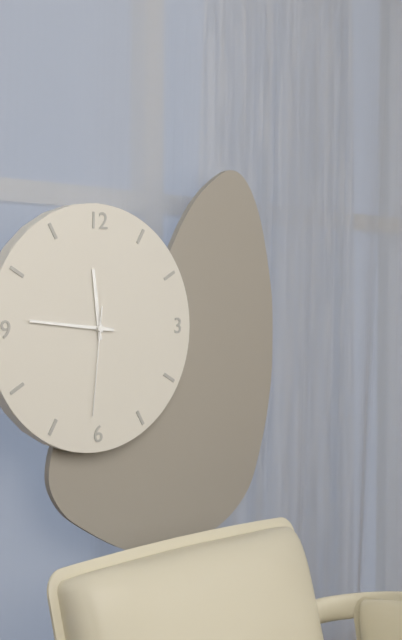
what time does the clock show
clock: 11:46:31
